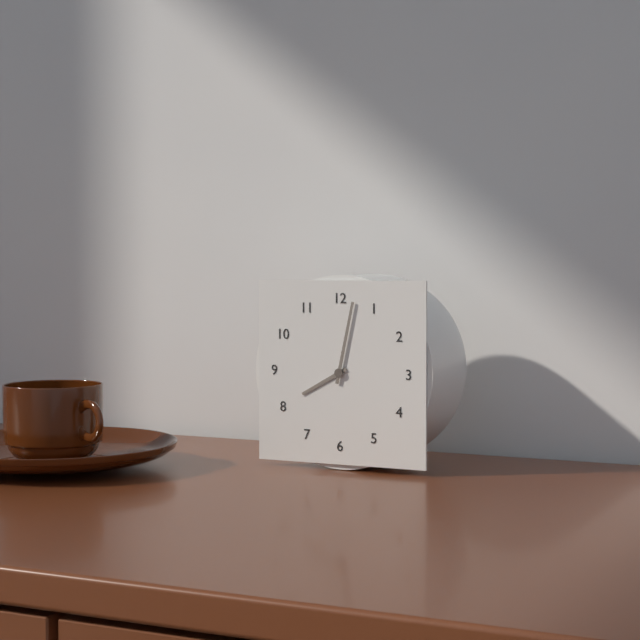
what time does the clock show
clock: 8:02
